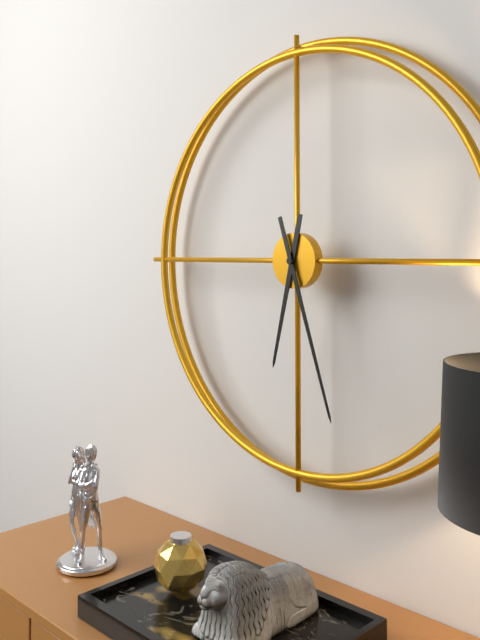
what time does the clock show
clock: 6:27
